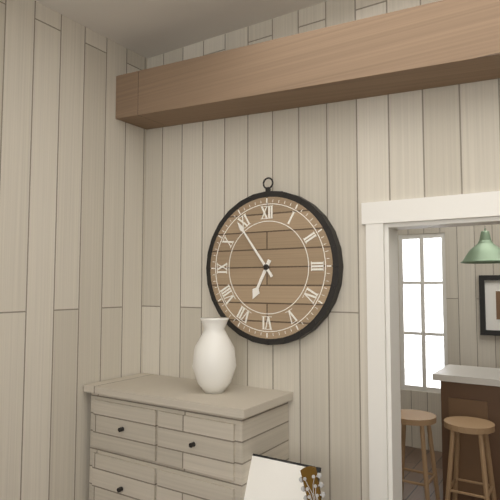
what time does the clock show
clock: 6:54
